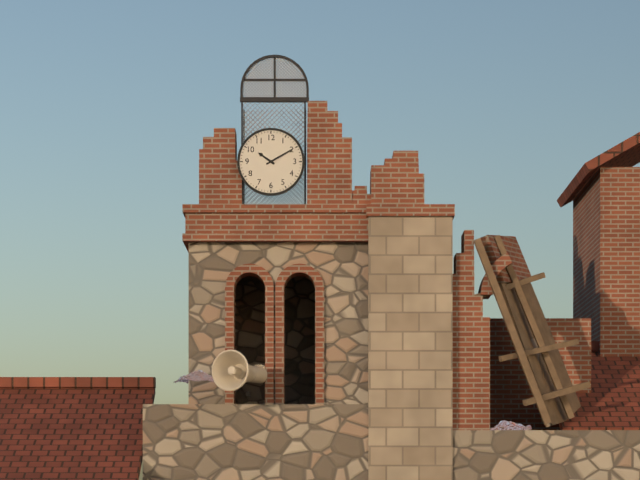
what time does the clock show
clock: 10:10
